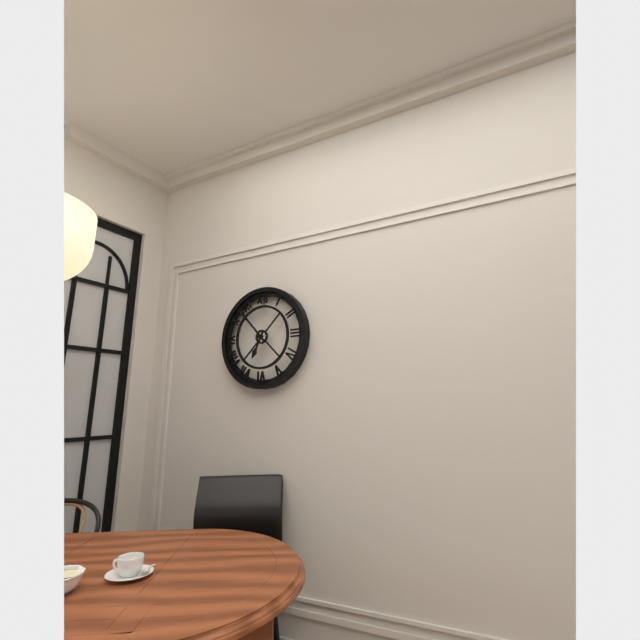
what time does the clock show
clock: 6:53
